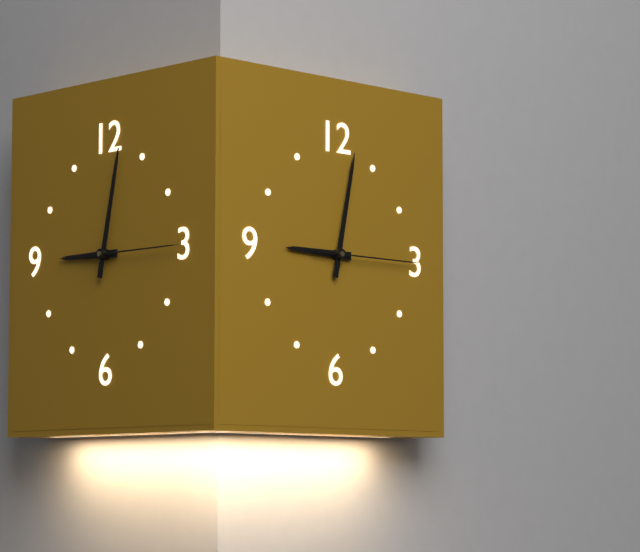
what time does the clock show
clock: 9:02:15
